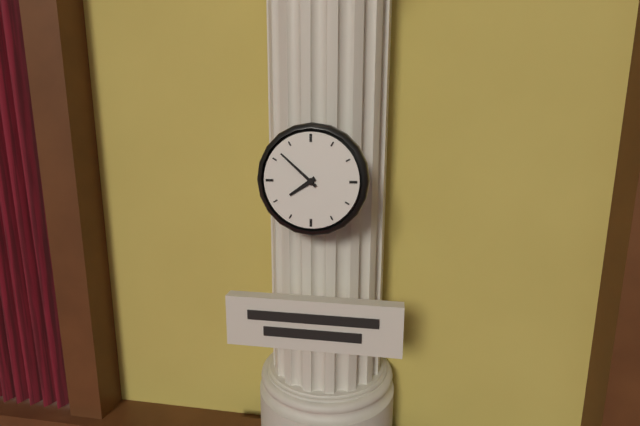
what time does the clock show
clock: 7:52
